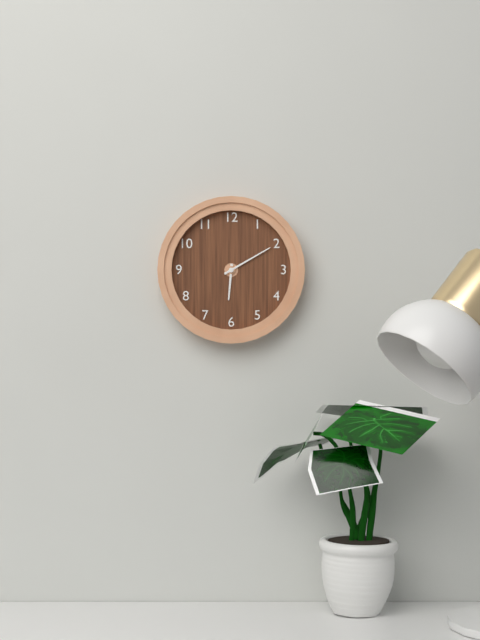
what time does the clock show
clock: 6:10
